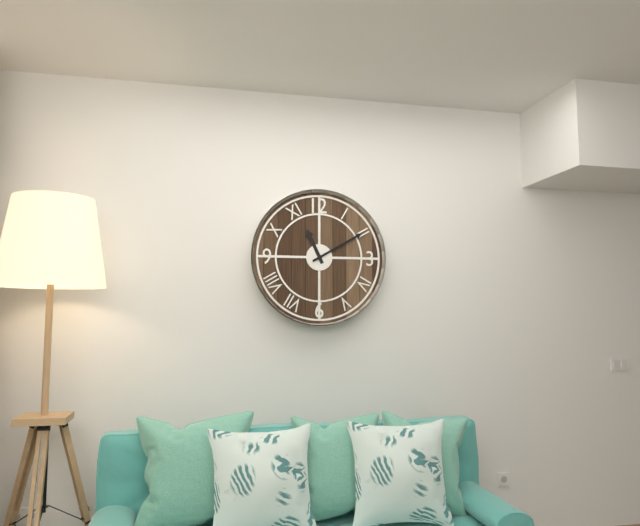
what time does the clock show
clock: 11:10
